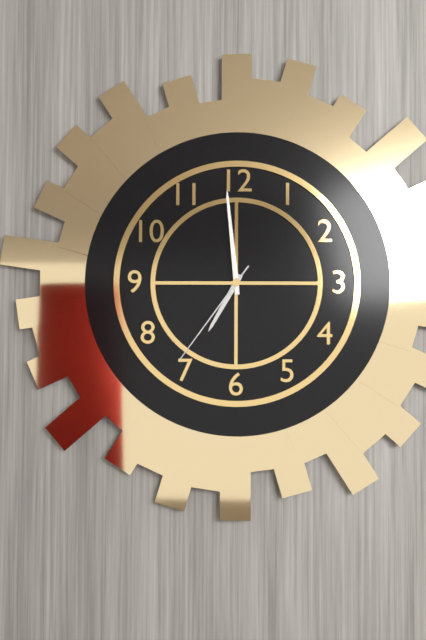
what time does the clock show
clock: 6:59:36
